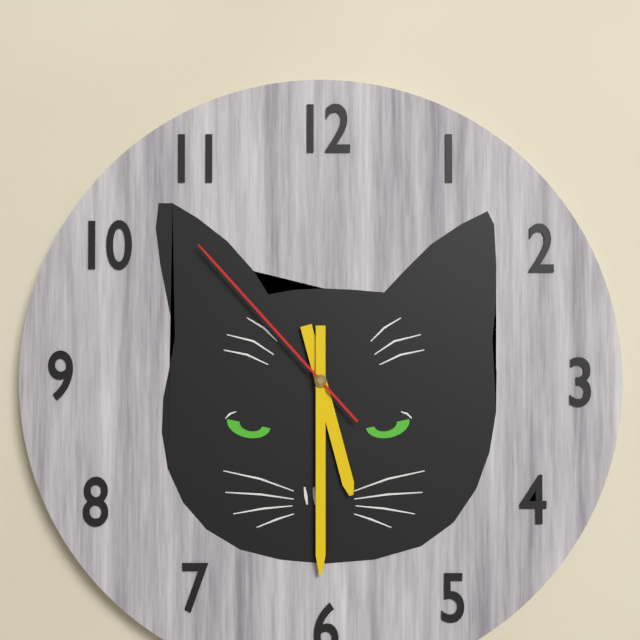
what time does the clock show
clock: 5:30:53
